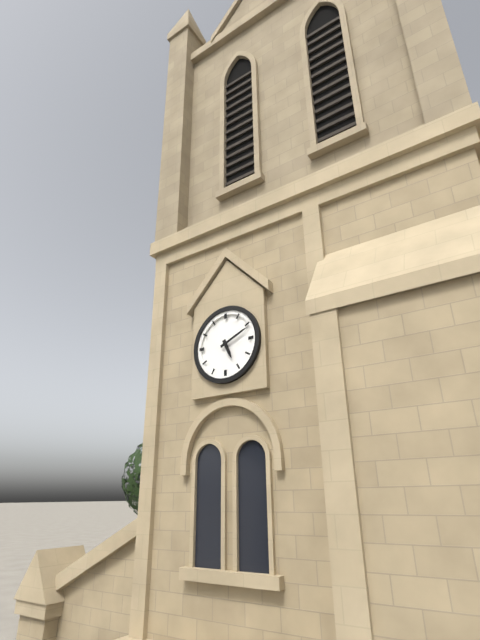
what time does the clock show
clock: 5:11
